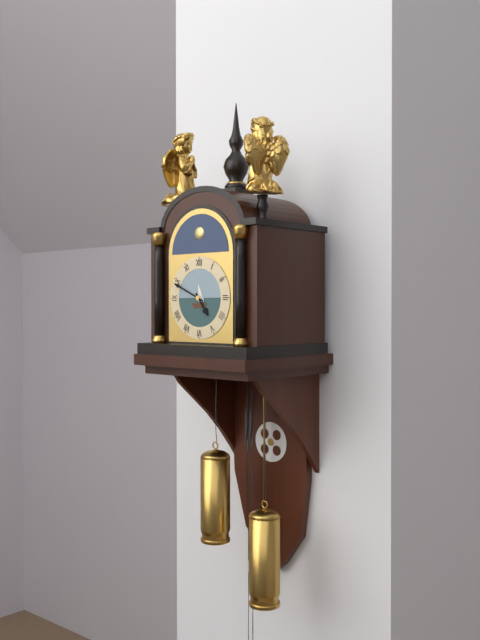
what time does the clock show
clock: 4:49
